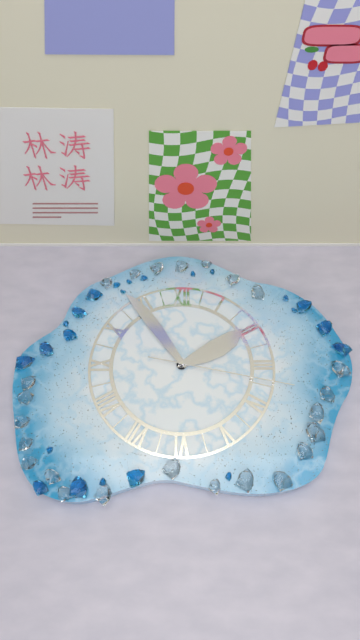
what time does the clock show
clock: 1:54:17
